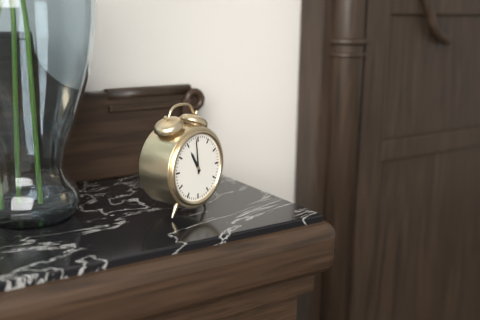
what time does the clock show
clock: 10:59
